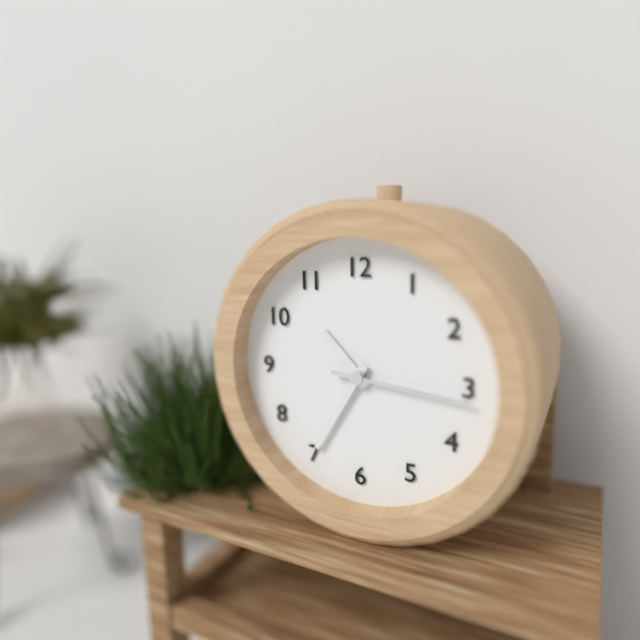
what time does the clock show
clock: 10:35:16
